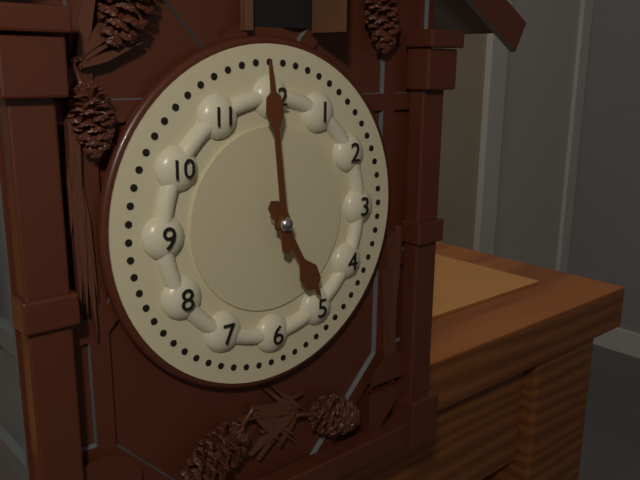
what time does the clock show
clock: 4:59
